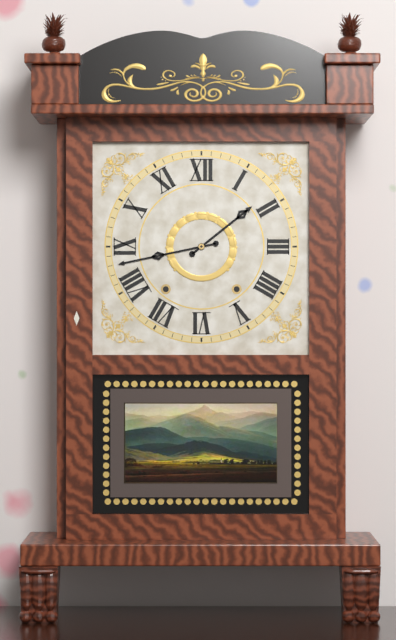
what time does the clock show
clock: 1:43
